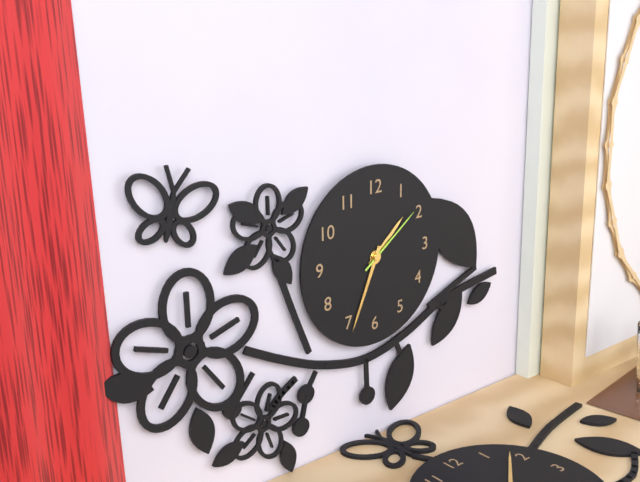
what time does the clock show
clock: 1:34:09
